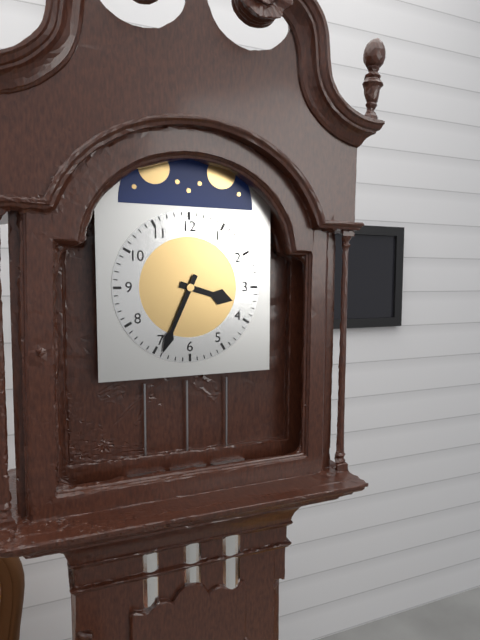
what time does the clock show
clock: 3:34
